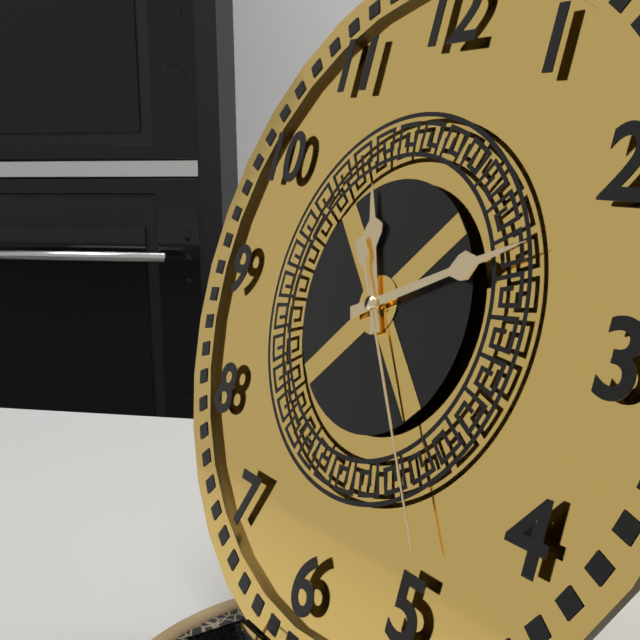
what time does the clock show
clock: 11:11:24
